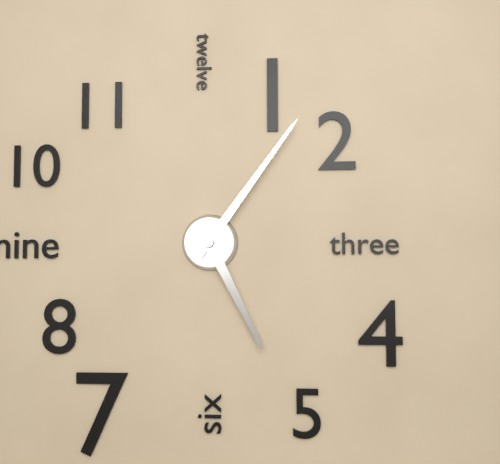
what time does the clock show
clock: 5:06
